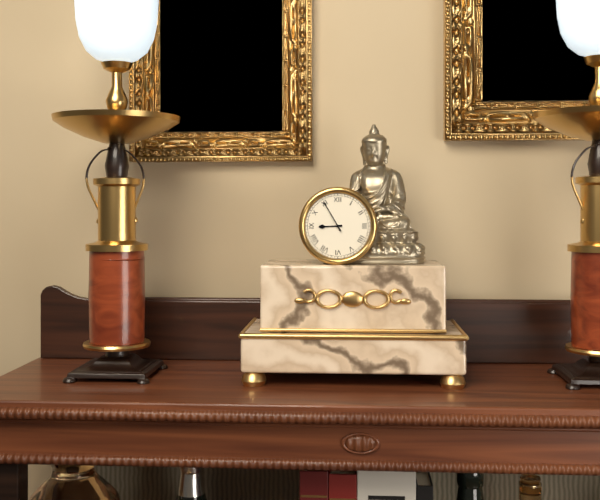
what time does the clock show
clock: 8:55
